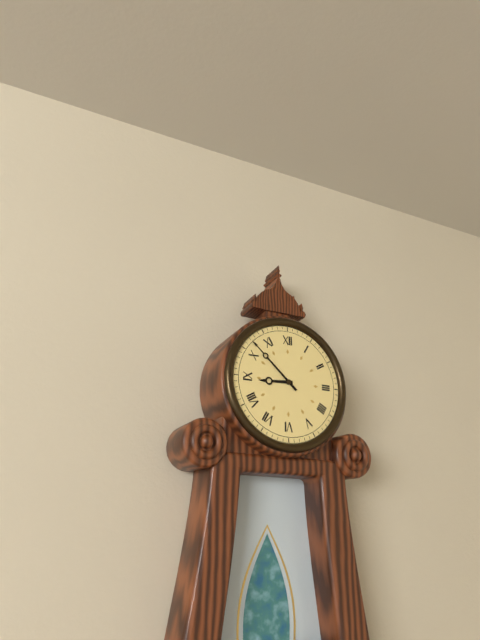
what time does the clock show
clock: 8:52
